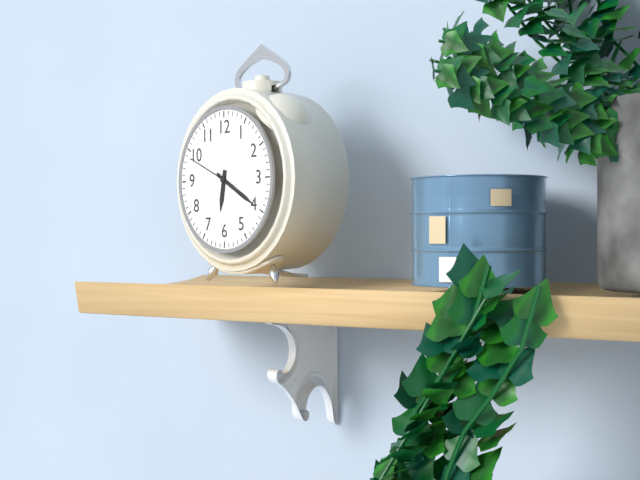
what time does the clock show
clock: 6:20:49
